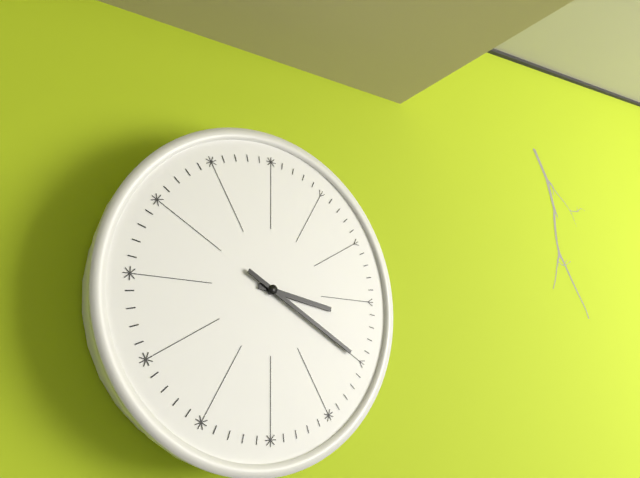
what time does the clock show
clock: 3:20
